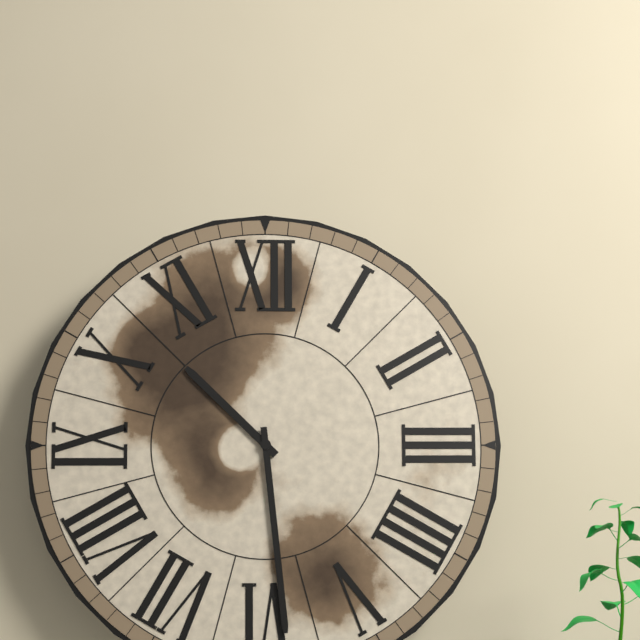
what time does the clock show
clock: 10:29
